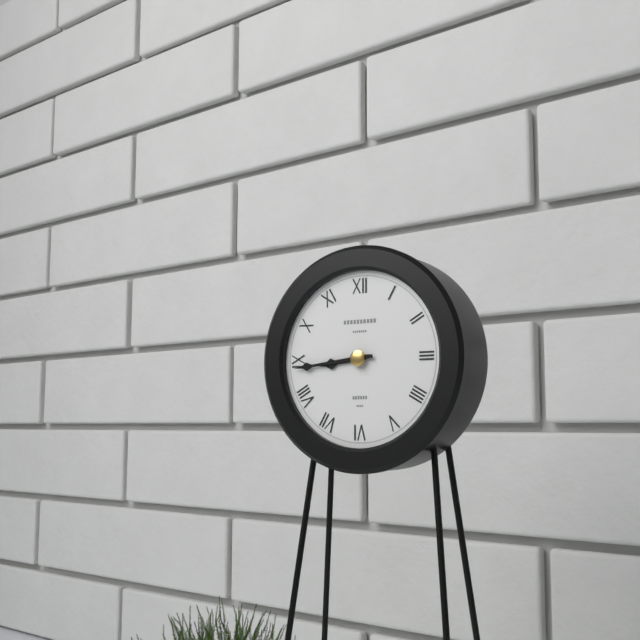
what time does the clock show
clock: 8:44
